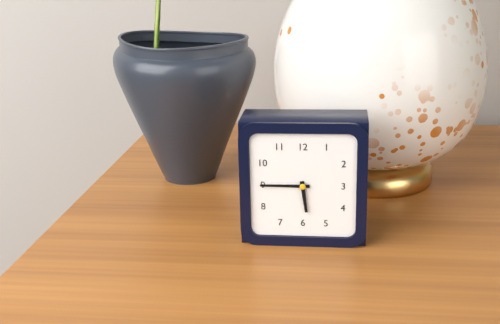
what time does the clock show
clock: 5:45
